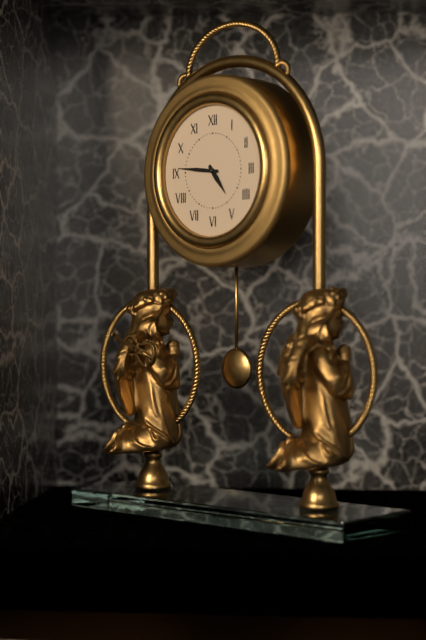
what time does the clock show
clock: 4:46
